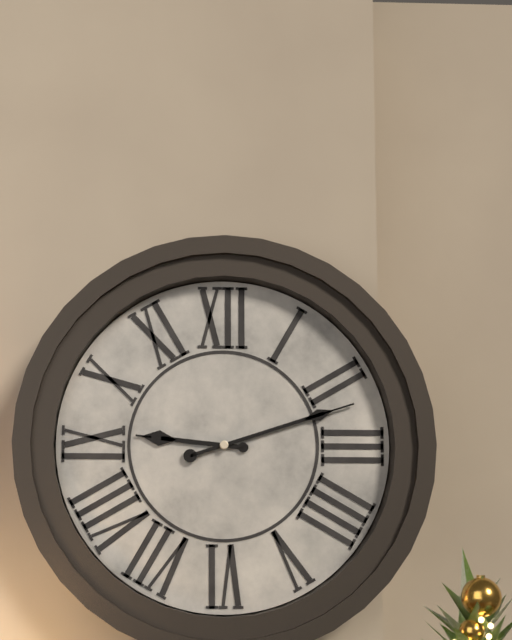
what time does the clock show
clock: 9:12
